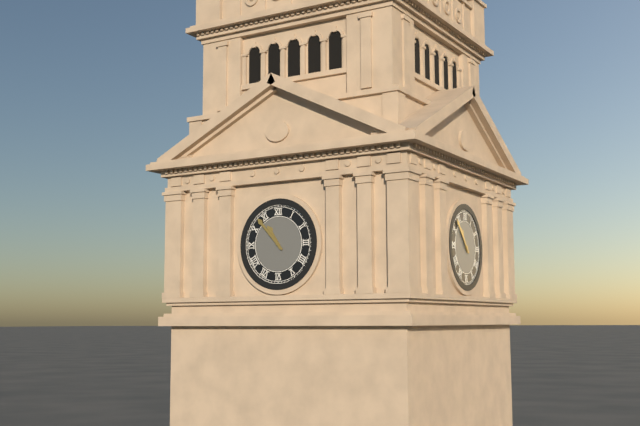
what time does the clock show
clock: 10:53
